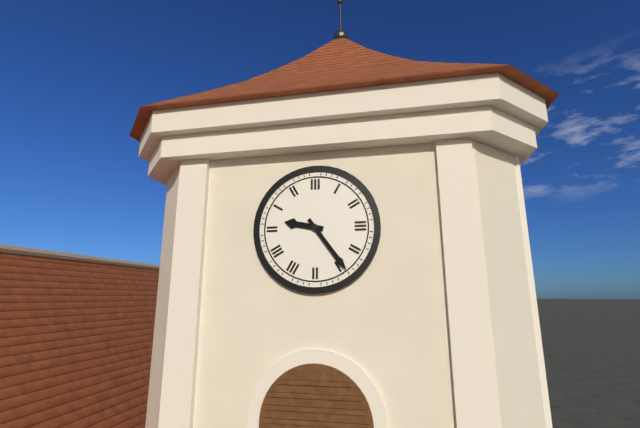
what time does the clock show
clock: 9:24
